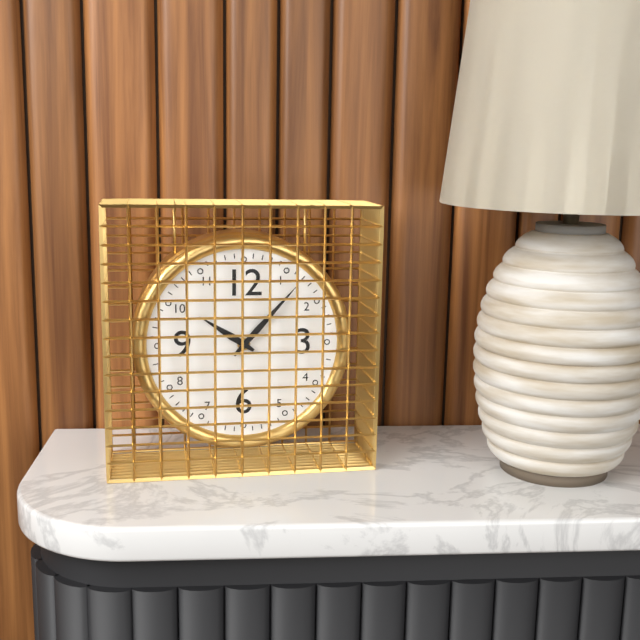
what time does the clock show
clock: 10:07
